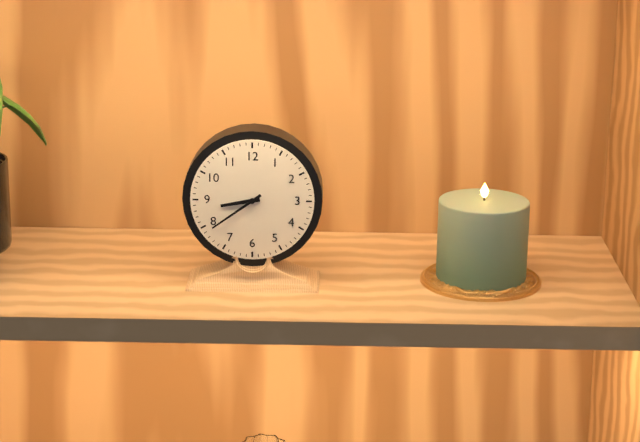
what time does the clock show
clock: 8:39
